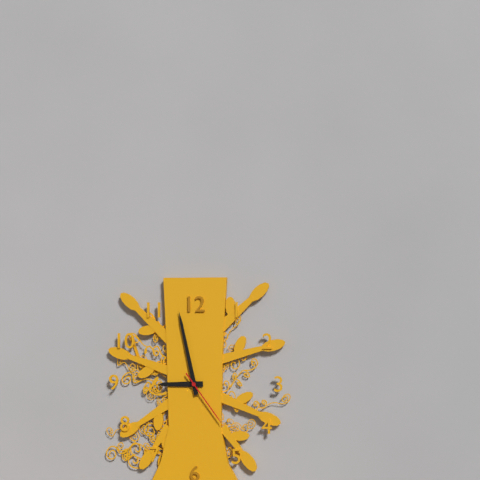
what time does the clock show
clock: 8:58:24
